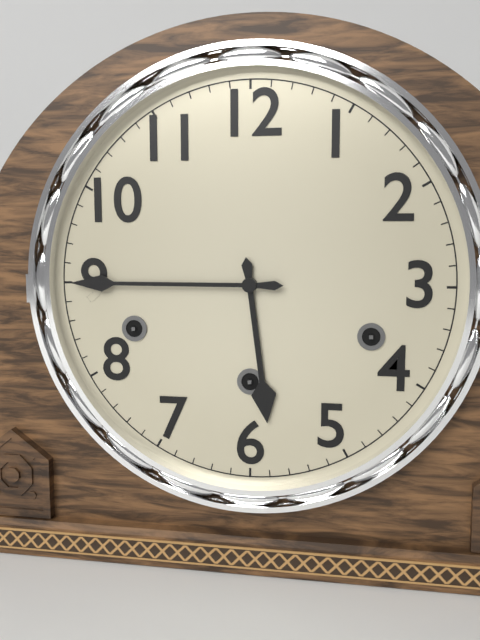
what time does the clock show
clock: 5:45
